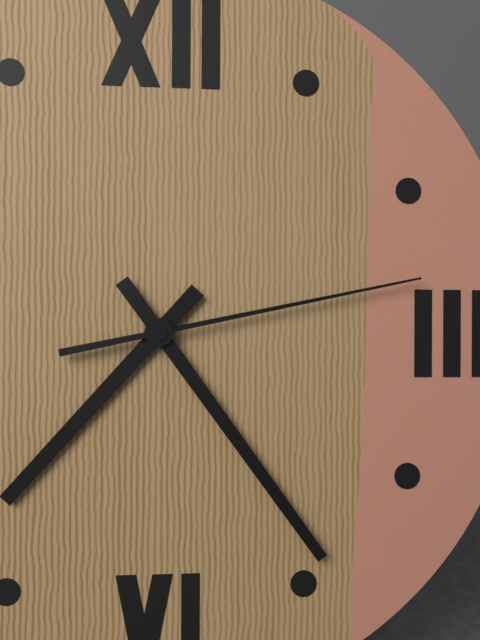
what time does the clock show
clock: 7:24:13
